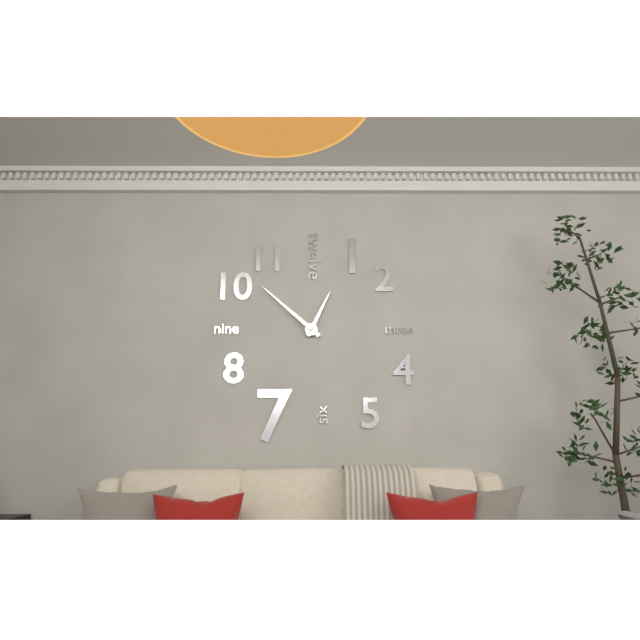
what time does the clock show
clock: 12:52
